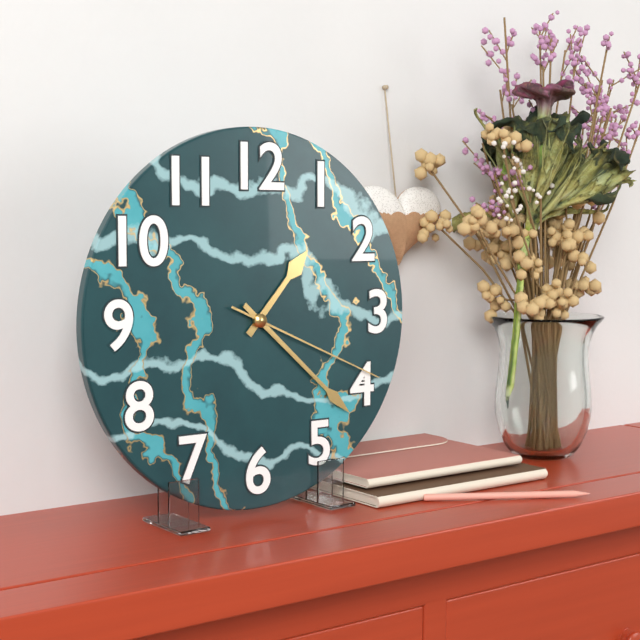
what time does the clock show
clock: 1:22:19
